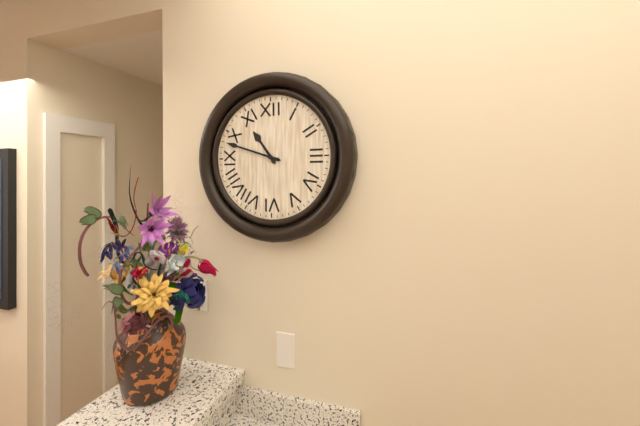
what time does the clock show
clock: 10:48
